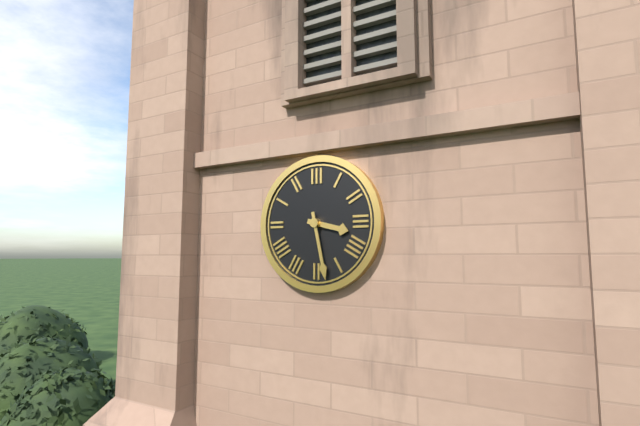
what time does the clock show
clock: 3:28
